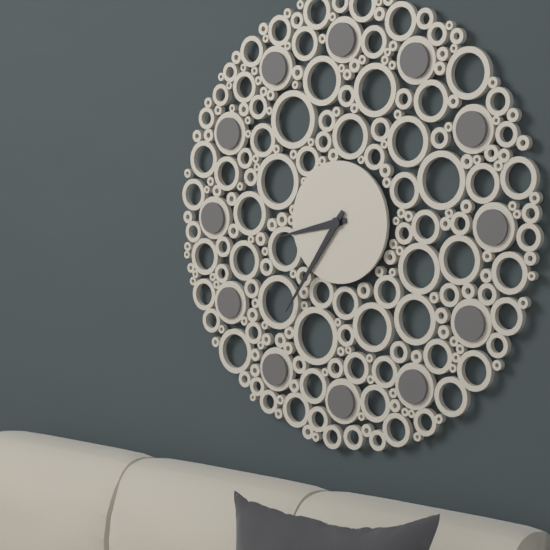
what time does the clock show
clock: 8:36
